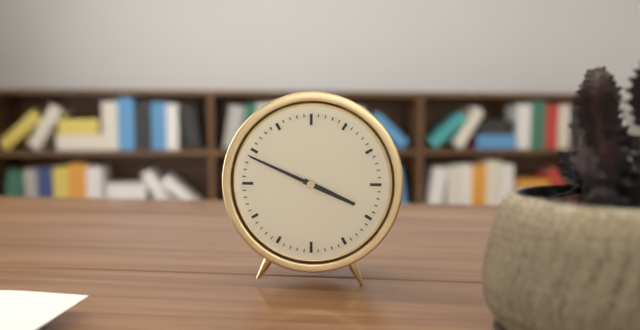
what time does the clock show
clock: 3:49
